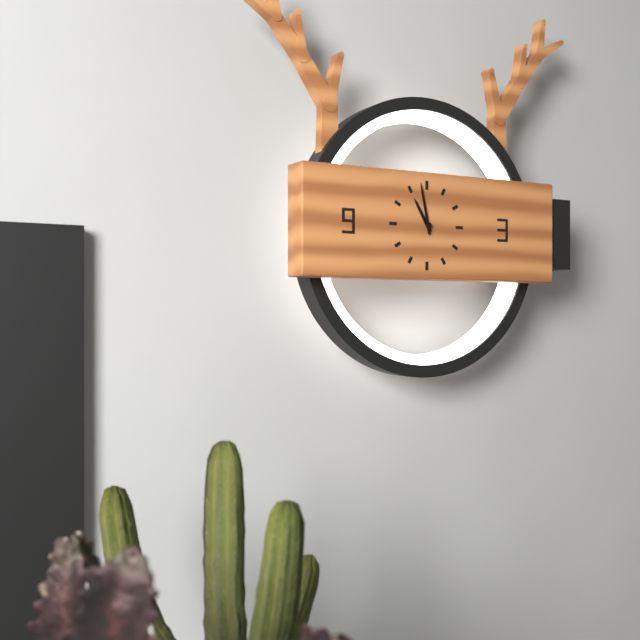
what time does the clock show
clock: 10:58
